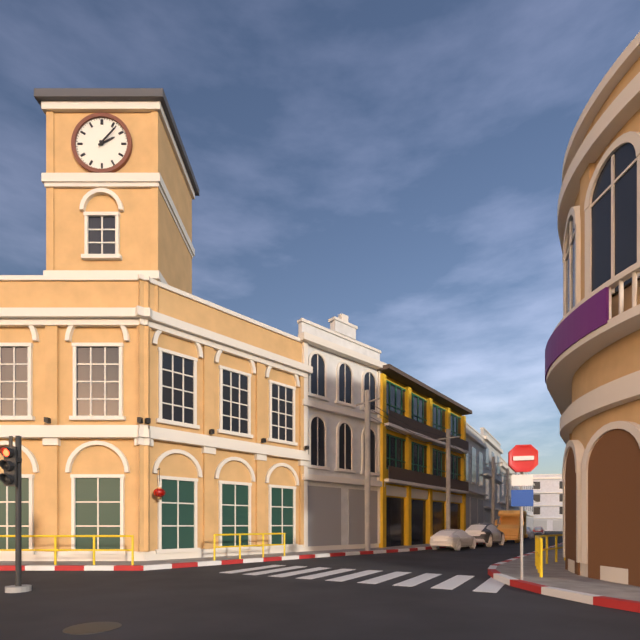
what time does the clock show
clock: 2:07
